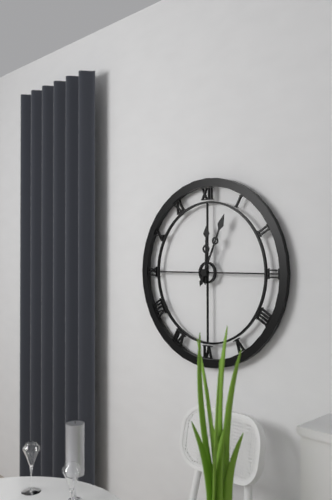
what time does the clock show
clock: 12:04
